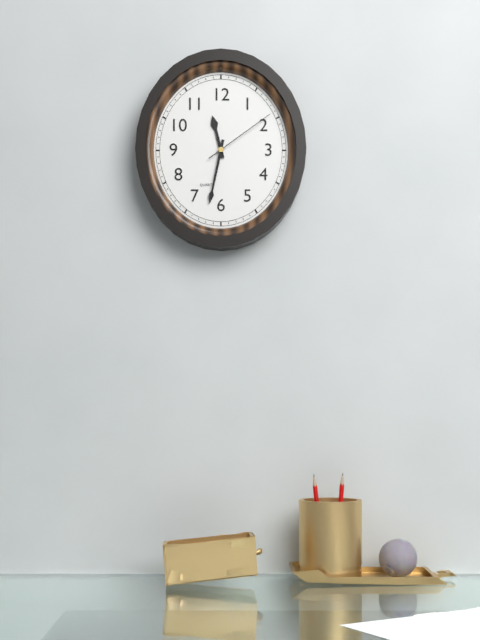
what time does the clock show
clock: 11:32:09
